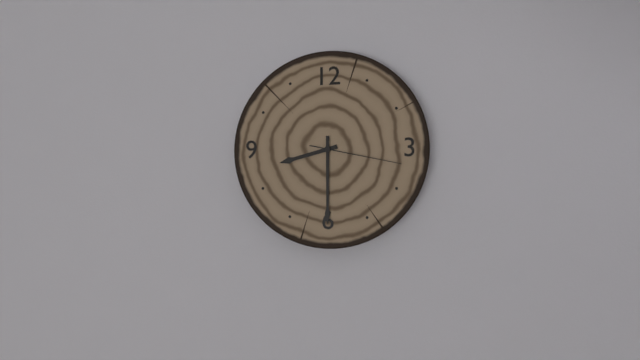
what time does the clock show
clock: 8:30:17
